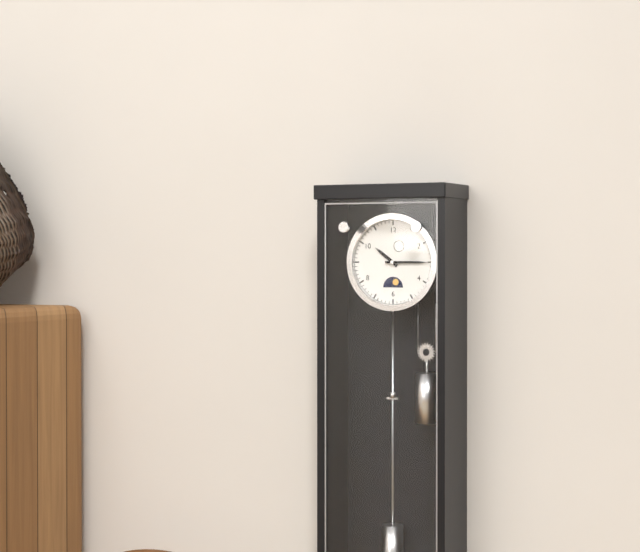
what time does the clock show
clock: 10:15
